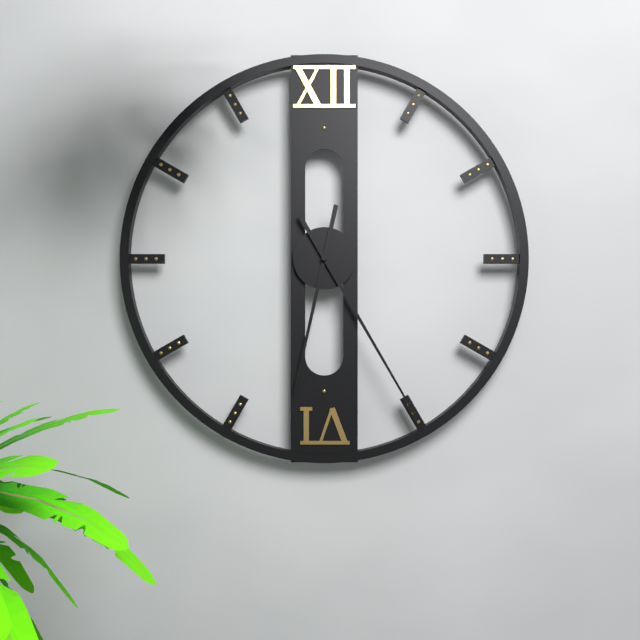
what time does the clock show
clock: 6:25
